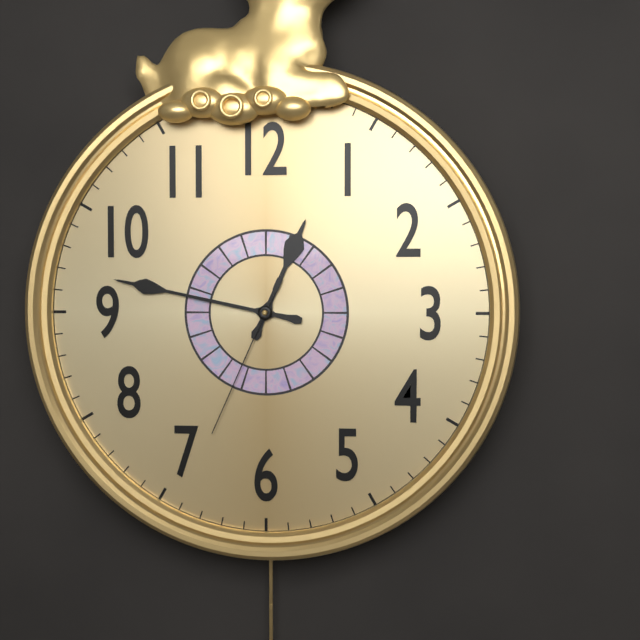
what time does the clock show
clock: 12:47:34
